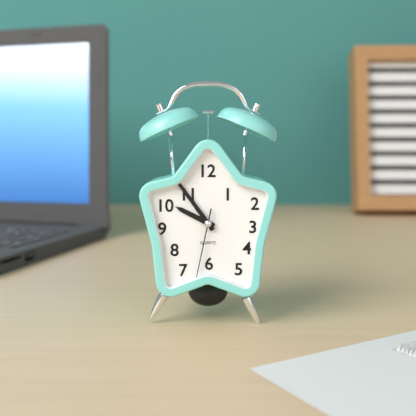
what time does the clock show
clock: 9:54:32
